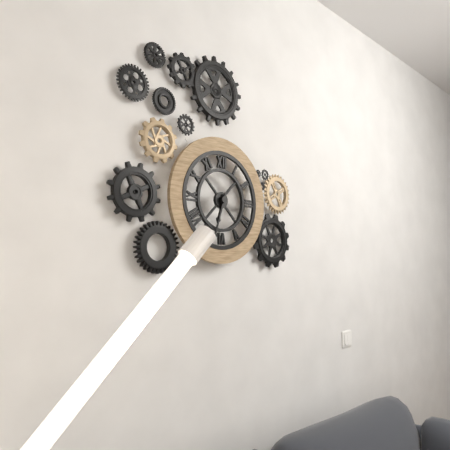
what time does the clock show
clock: 6:33
